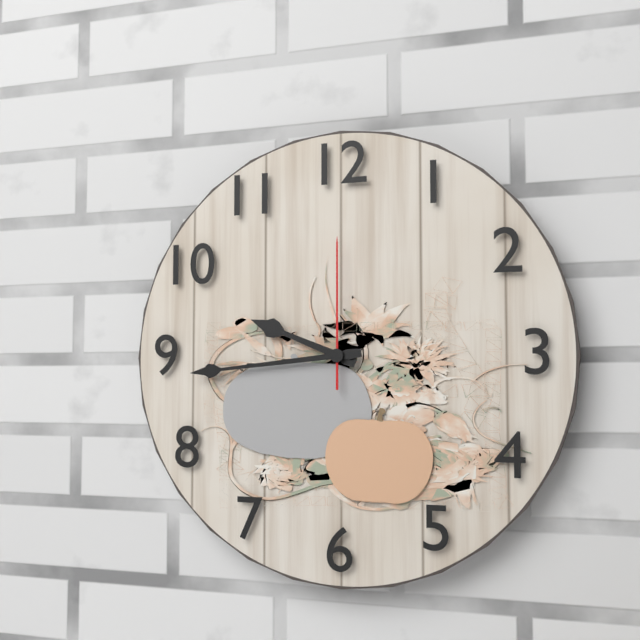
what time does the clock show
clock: 9:44:00
